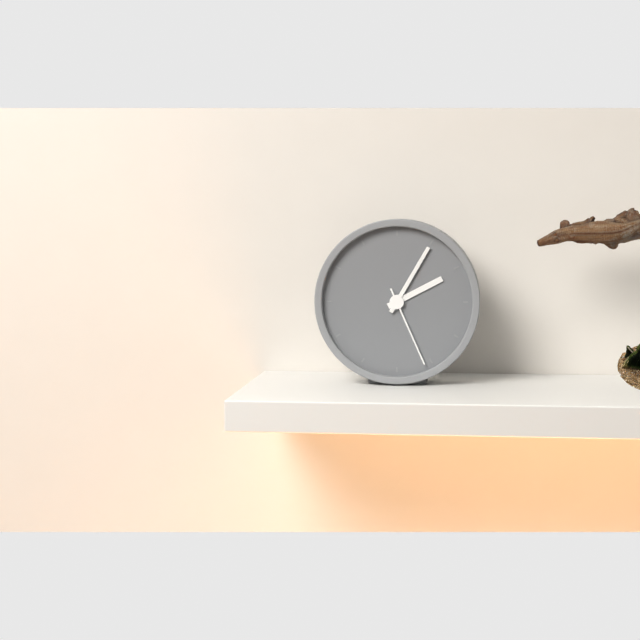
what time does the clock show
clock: 2:05:26
